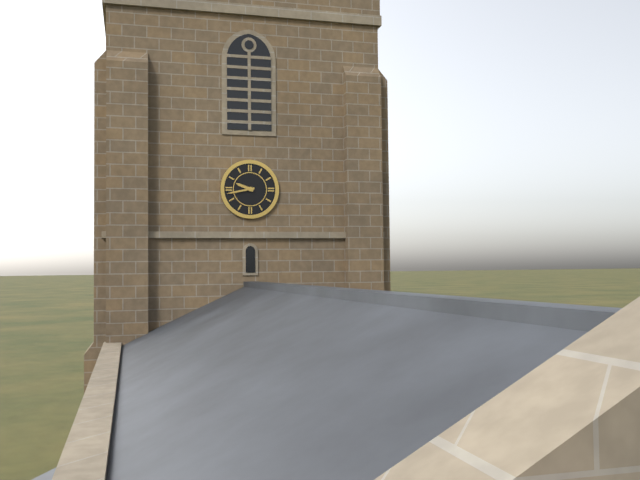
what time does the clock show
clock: 9:43
